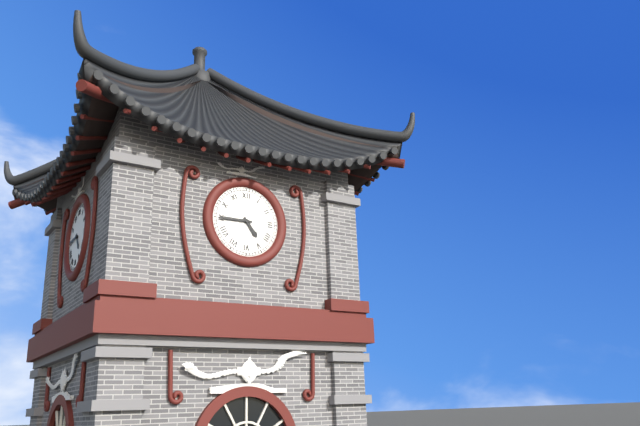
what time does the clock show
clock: 4:45
